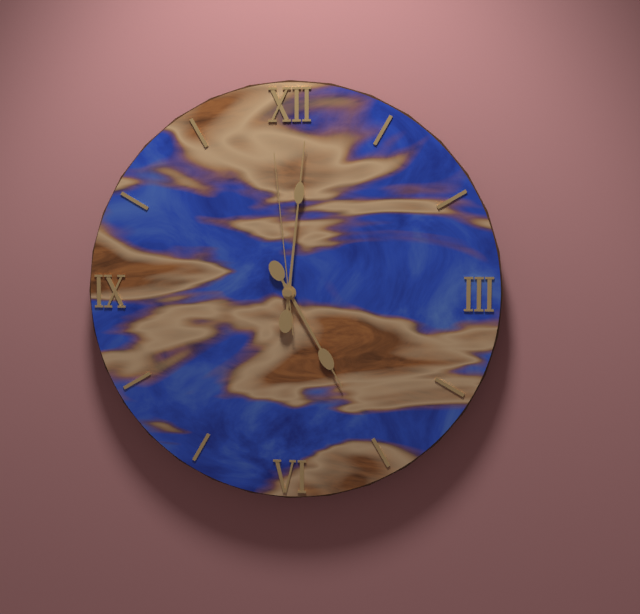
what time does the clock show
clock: 5:01:59
